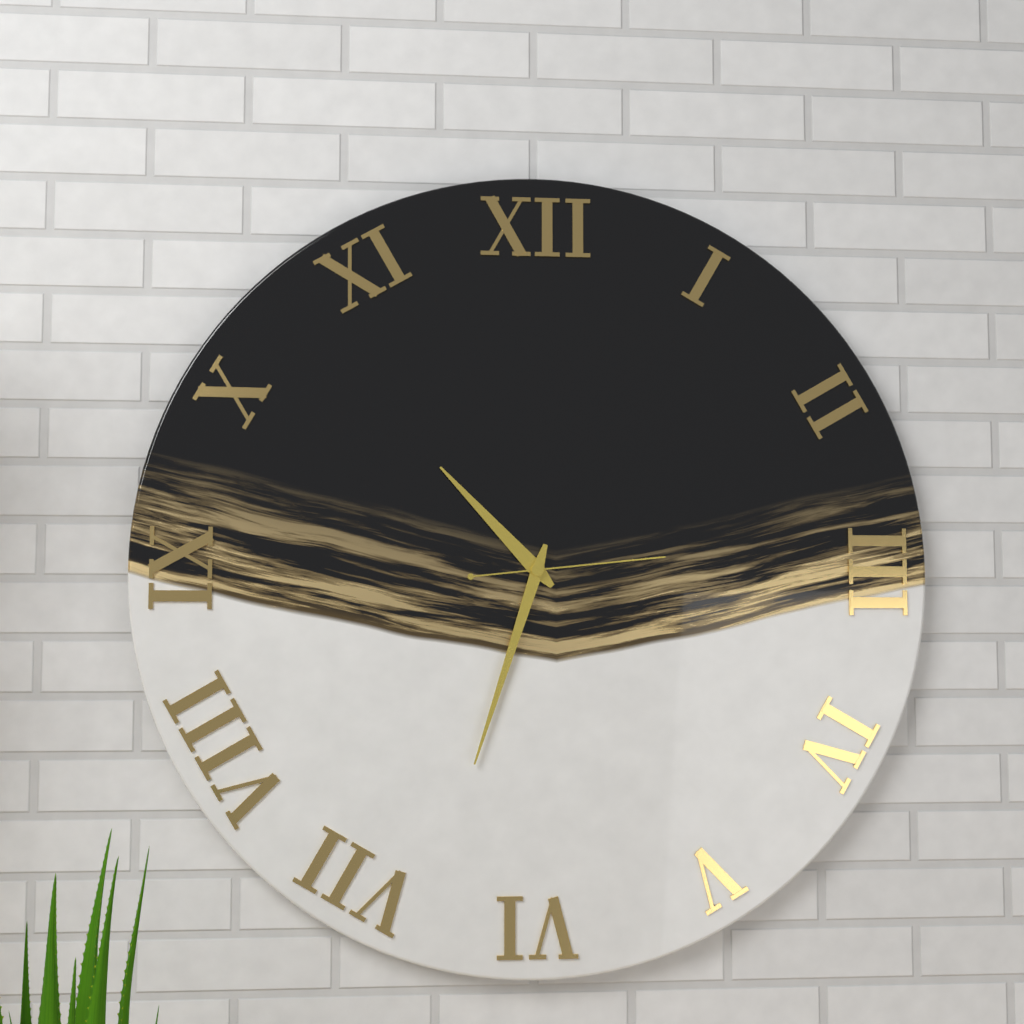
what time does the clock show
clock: 10:33:14
